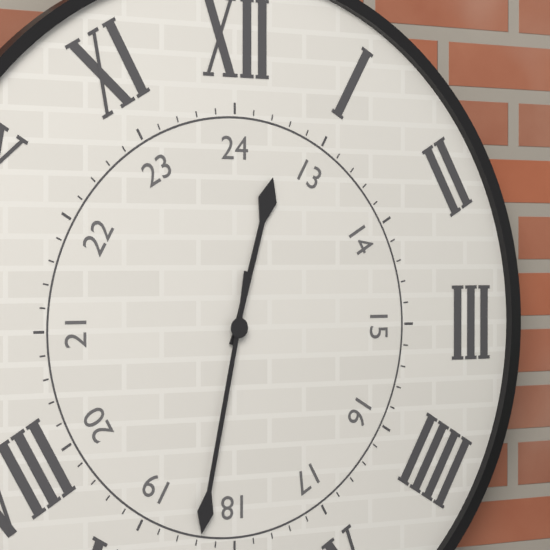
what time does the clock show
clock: 12:32
